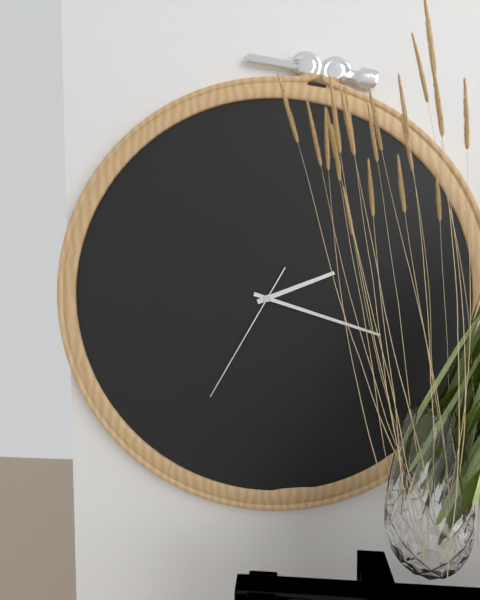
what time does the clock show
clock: 2:18:35
